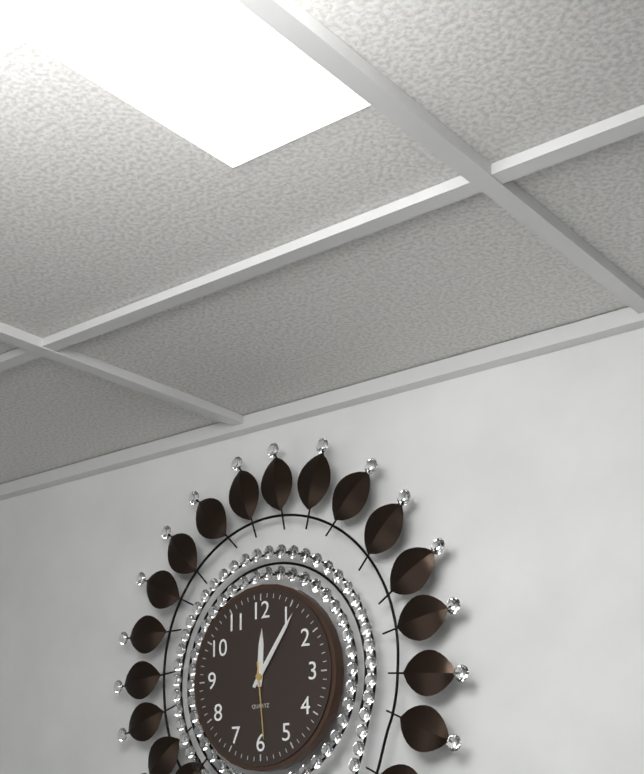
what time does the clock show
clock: 12:06:29
